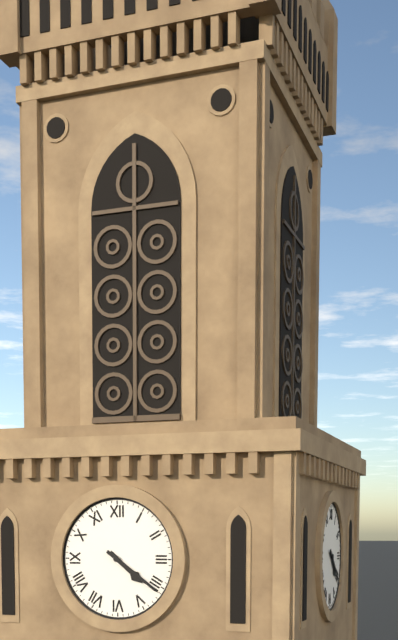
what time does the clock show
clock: 4:21
